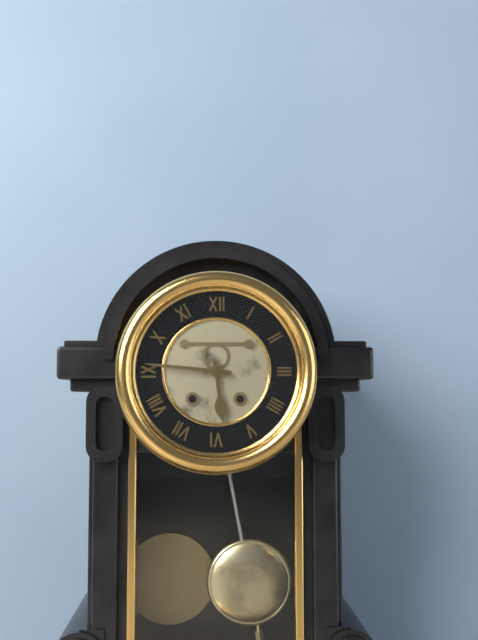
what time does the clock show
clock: 5:46
